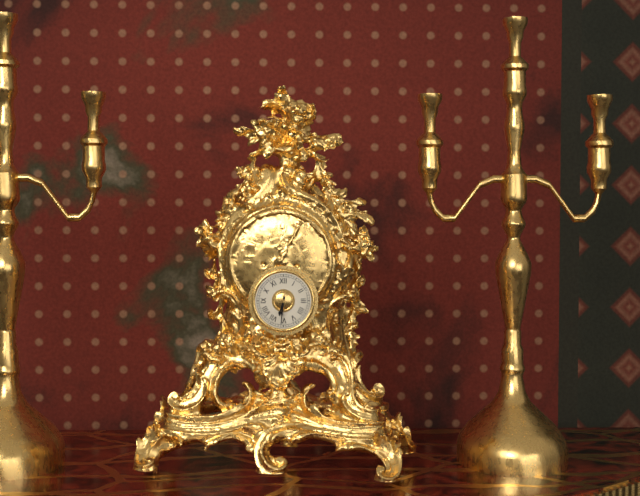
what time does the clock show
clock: 6:31
